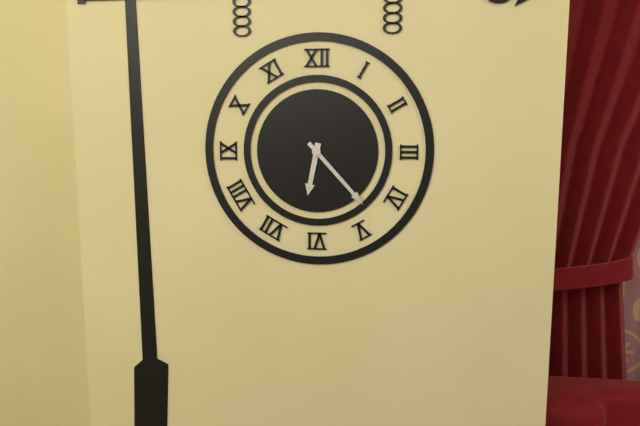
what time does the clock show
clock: 6:23
